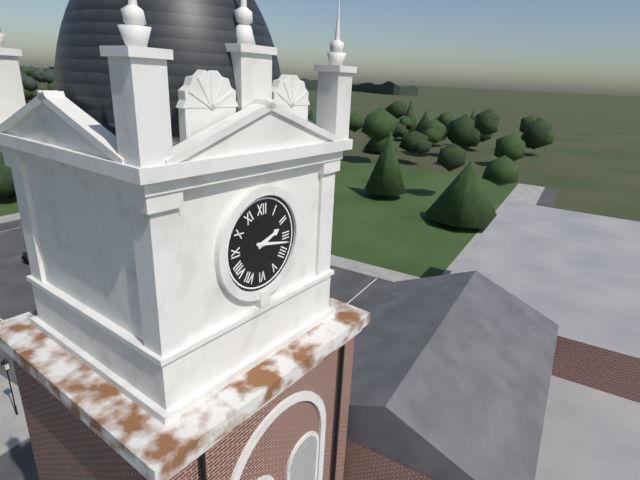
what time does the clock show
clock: 2:17
